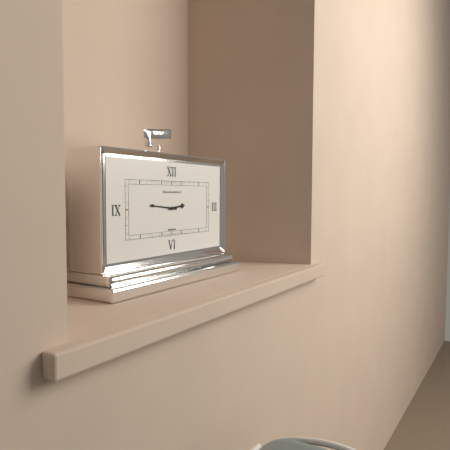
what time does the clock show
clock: 2:46
